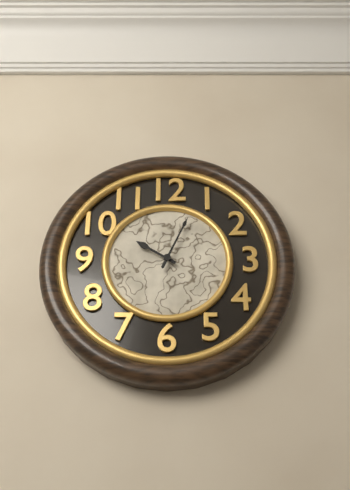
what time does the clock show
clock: 10:04
